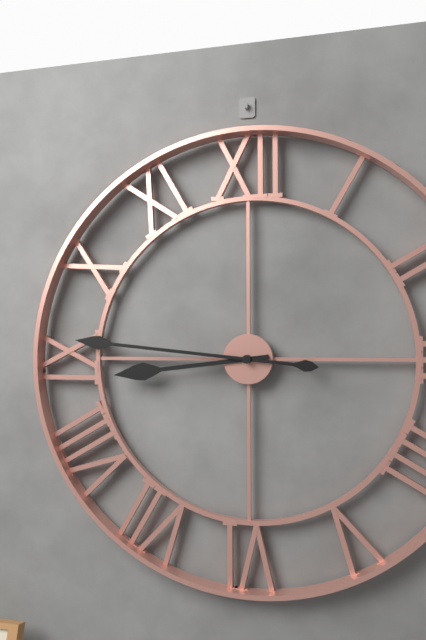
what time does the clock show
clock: 8:46
